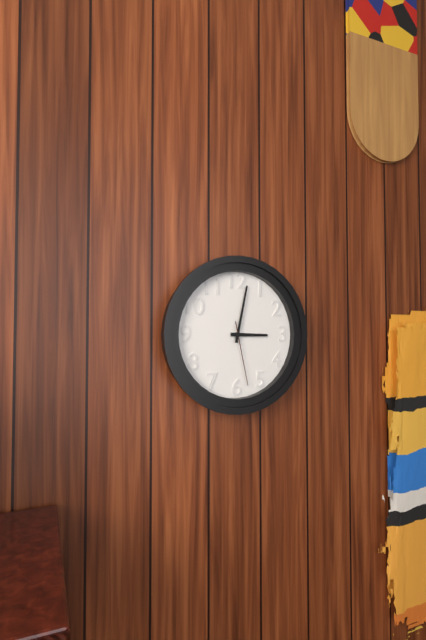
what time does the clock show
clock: 3:02:28
